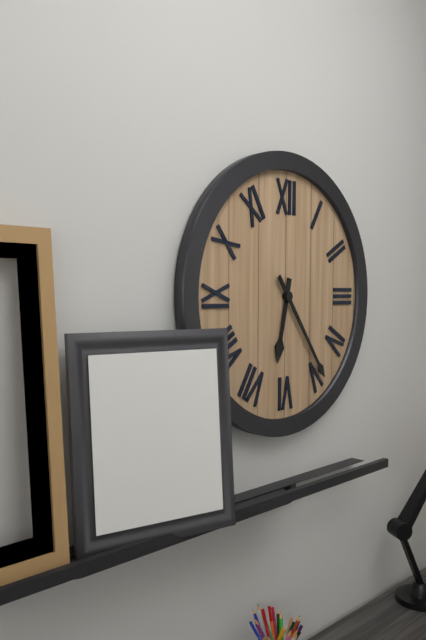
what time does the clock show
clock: 6:24
